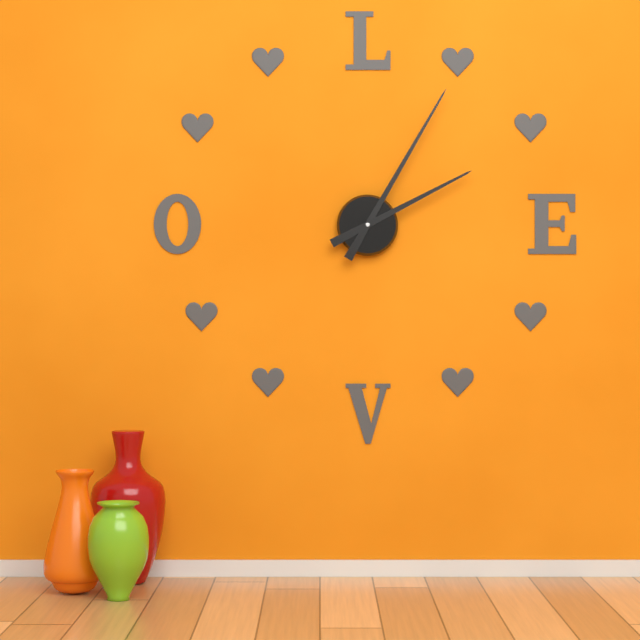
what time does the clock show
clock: 2:05
